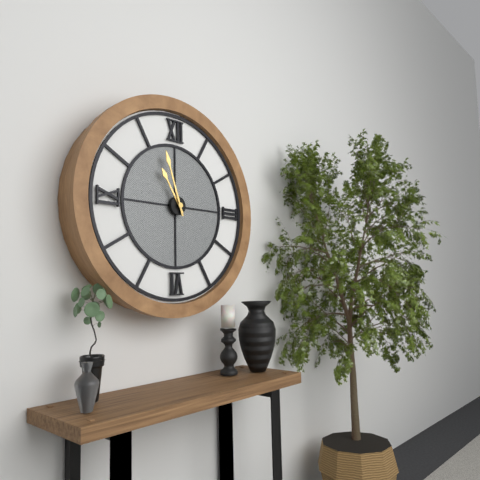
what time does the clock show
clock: 10:57
